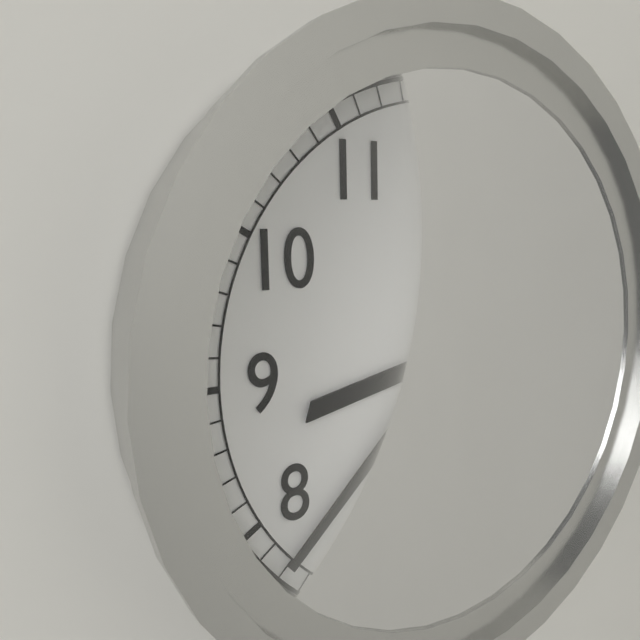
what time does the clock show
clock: 8:38
